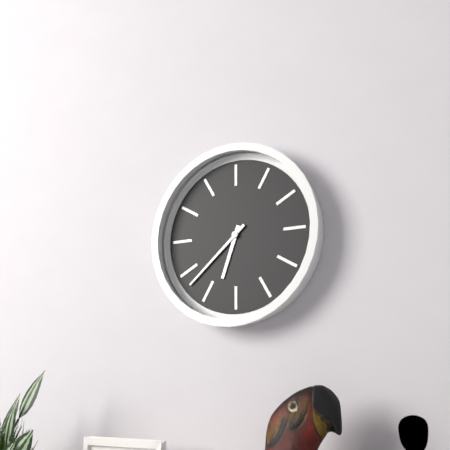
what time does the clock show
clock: 6:38
